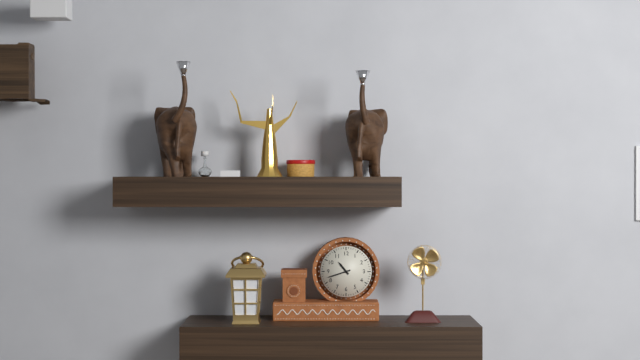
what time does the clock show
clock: 10:42
